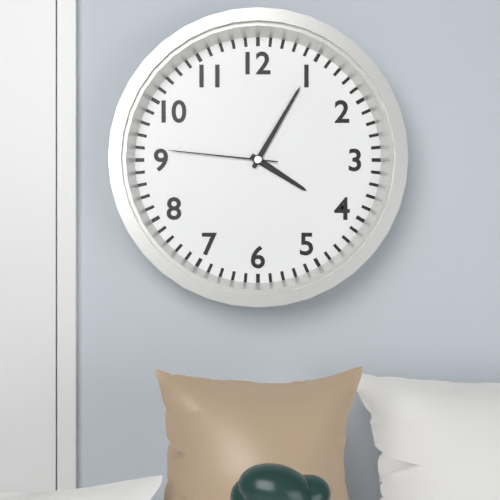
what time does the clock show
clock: 4:05:46
